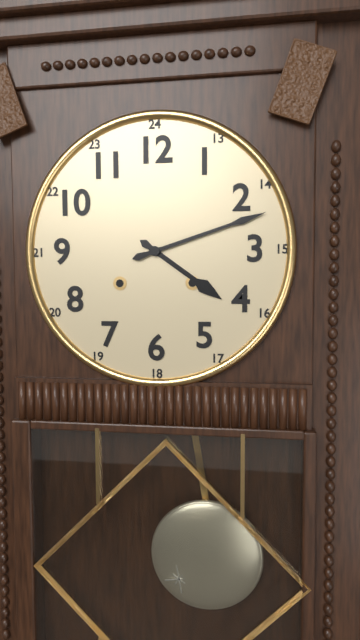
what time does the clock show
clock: 4:12
